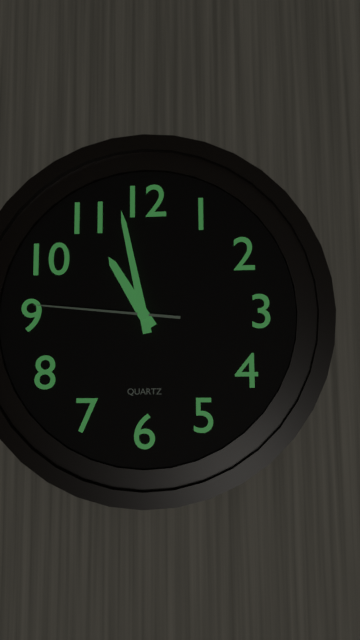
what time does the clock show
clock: 10:58:46
